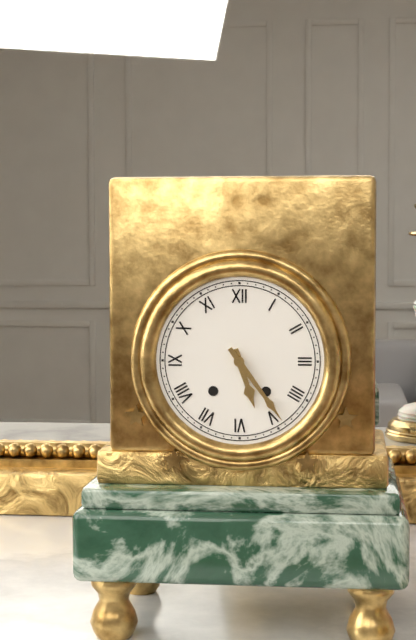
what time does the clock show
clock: 5:24
